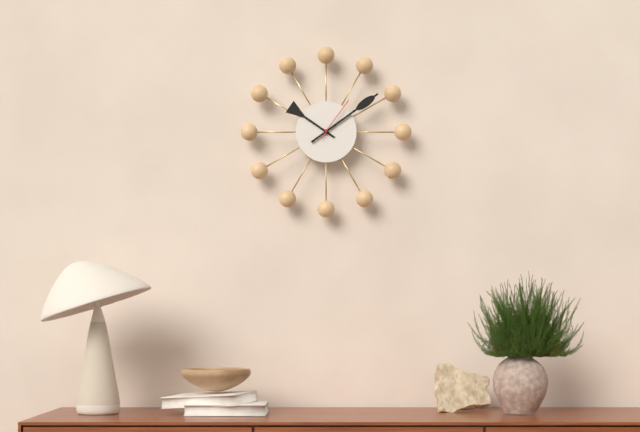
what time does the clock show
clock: 10:09
